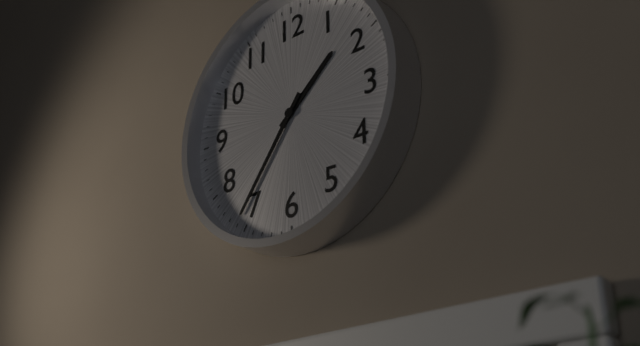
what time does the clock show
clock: 1:36
